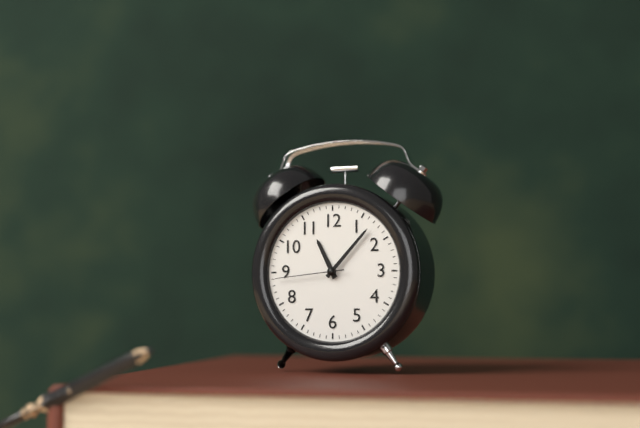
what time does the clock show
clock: 11:07:44
